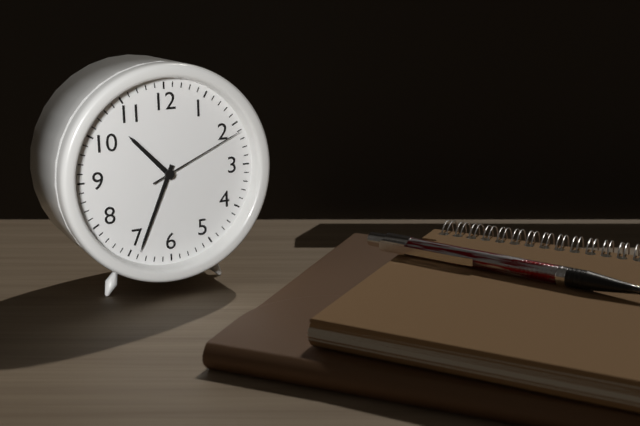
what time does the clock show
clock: 10:34:11
